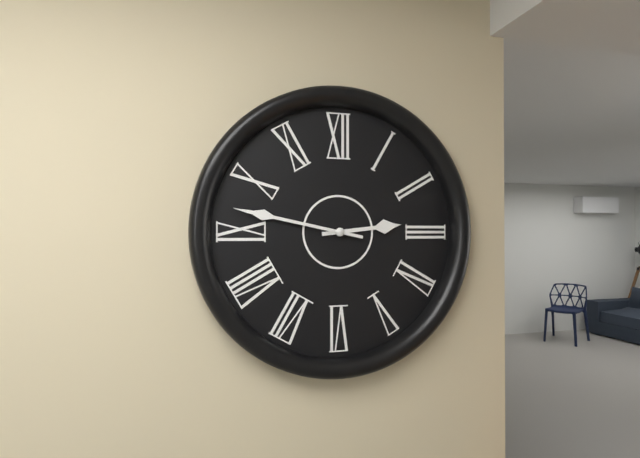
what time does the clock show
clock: 2:47
